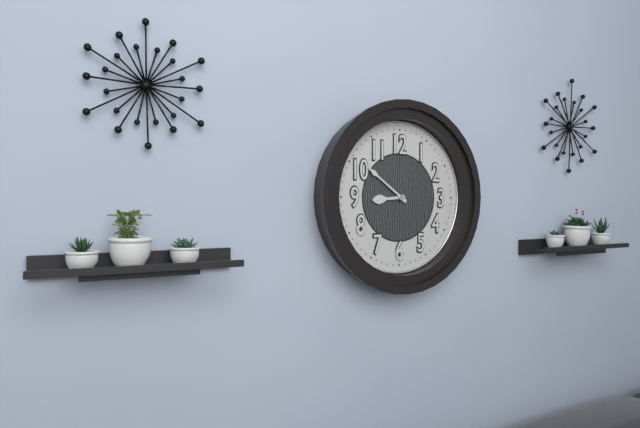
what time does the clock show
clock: 8:51
